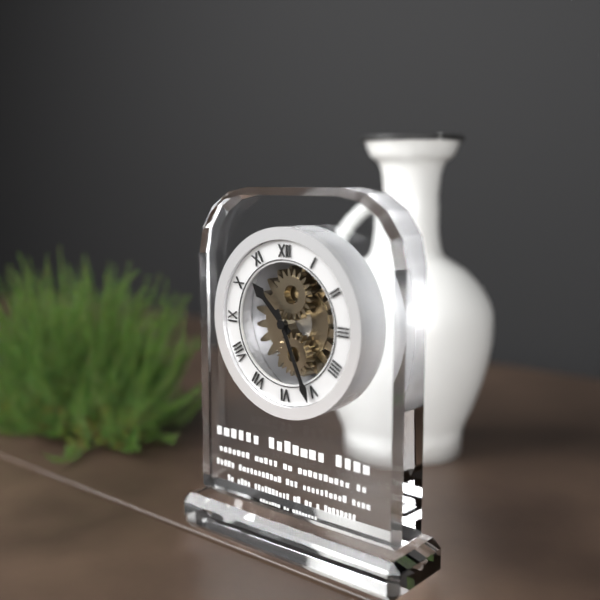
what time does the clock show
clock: 10:26
